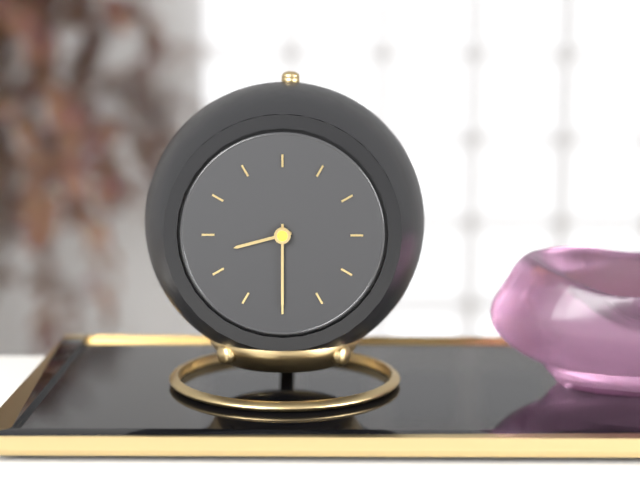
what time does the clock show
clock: 8:30
